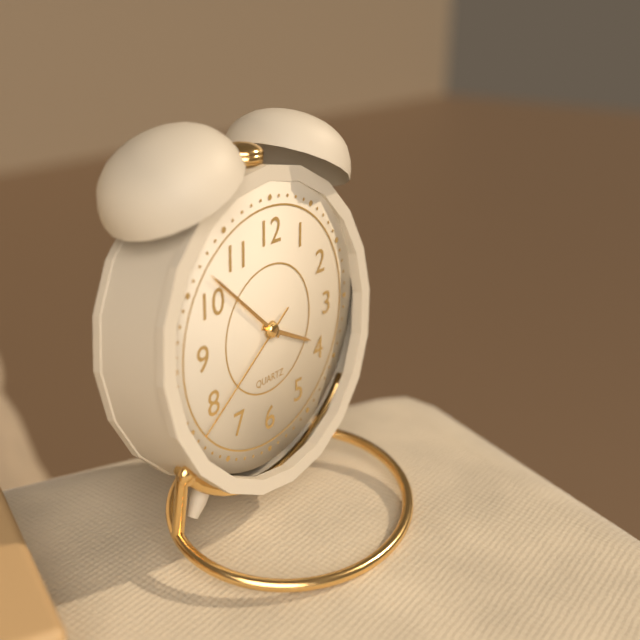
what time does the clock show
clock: 3:52:39
